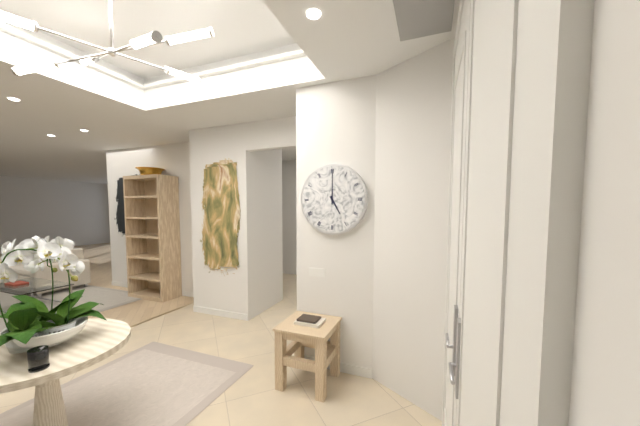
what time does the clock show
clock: 5:00
